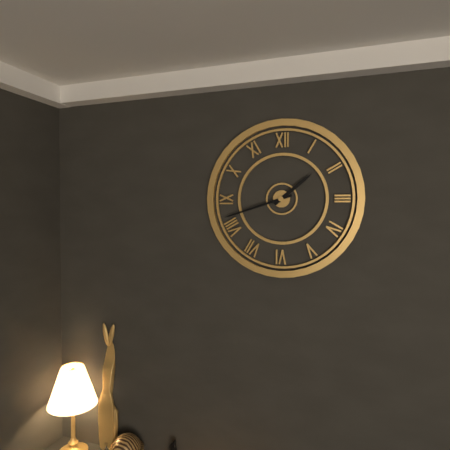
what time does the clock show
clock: 1:42
